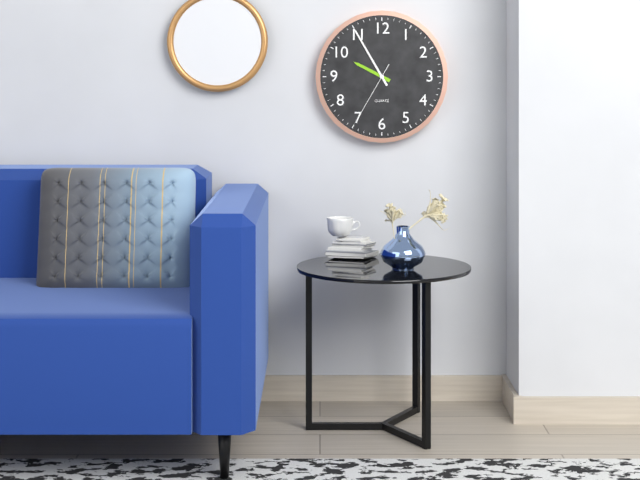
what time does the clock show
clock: 9:55:35
